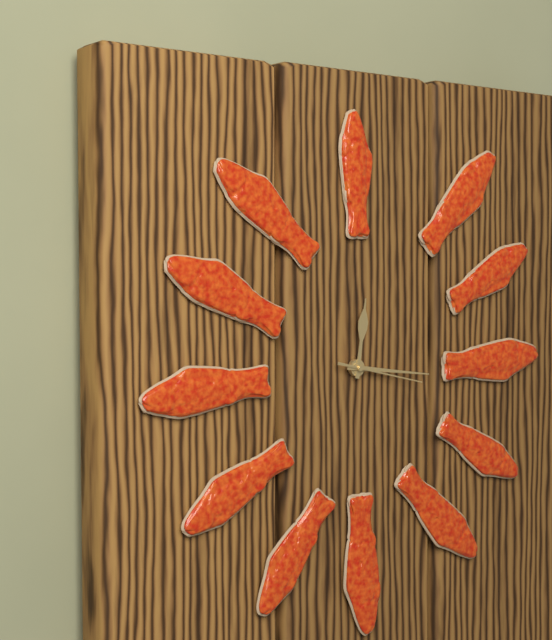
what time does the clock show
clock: 12:16:17
